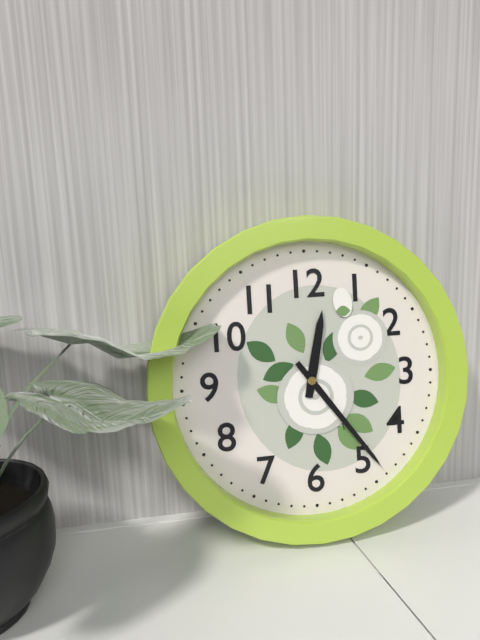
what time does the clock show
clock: 12:24
